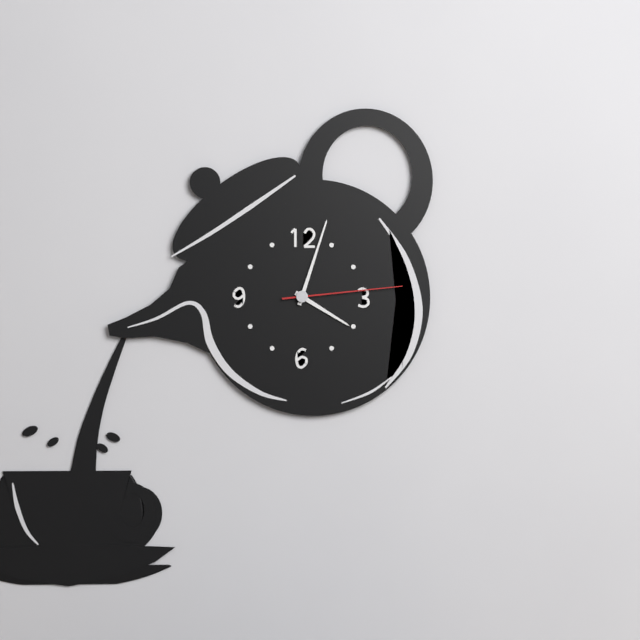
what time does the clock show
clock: 4:03:14
